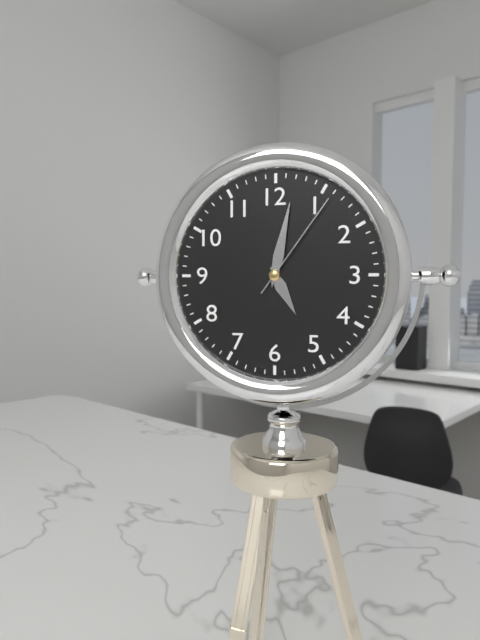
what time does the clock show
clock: 5:02:06
